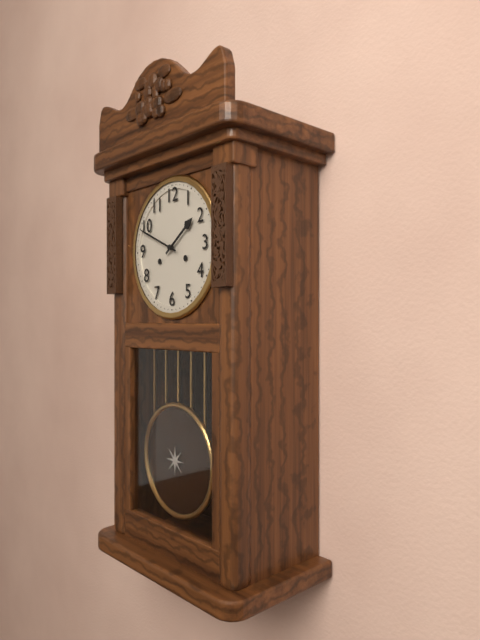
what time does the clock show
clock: 1:49
